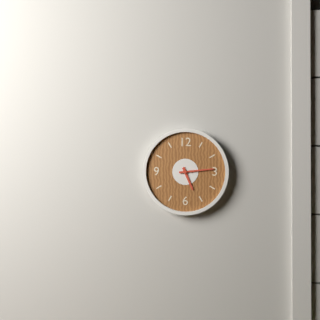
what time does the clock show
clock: 5:14
